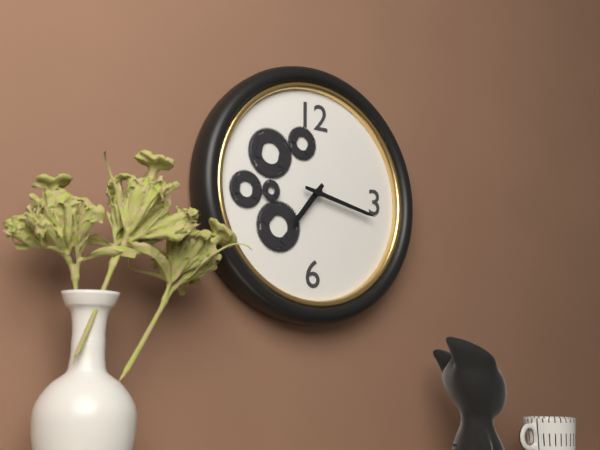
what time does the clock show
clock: 7:17
